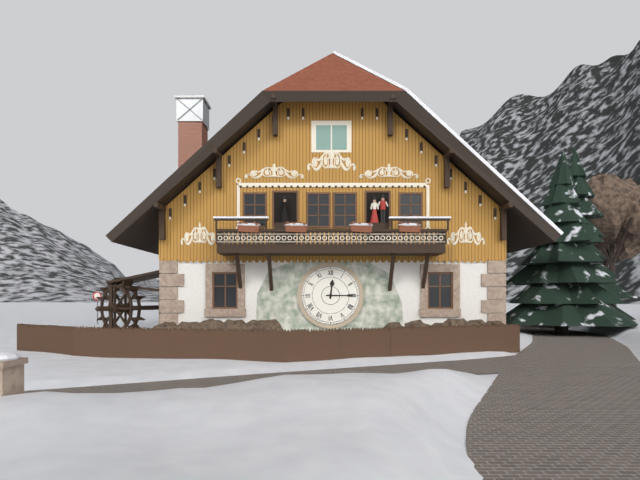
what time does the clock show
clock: 12:15
